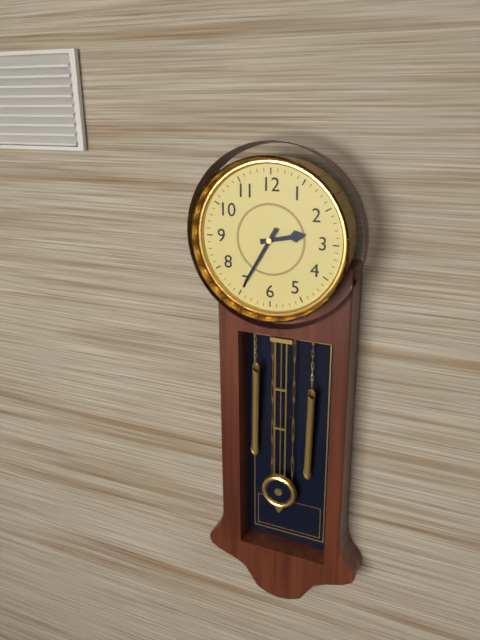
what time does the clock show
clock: 2:35
